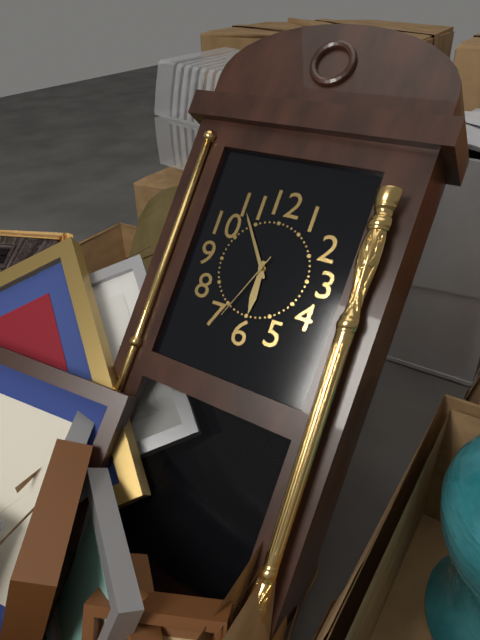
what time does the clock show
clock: 5:54:34
